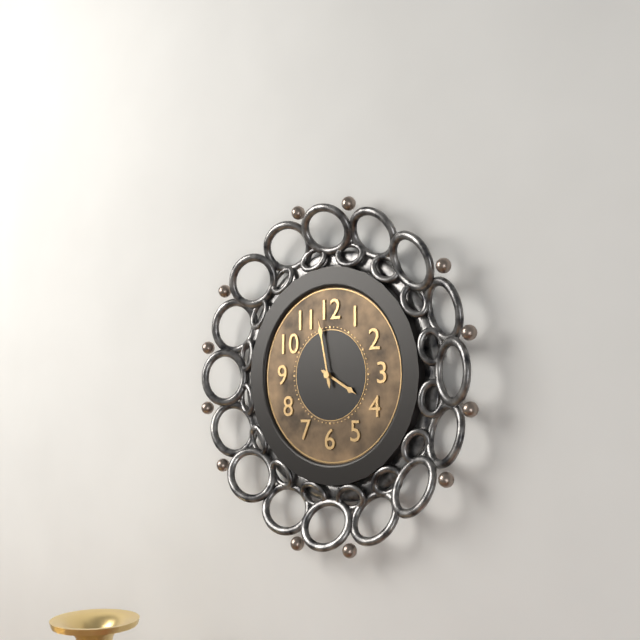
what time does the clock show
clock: 3:58
